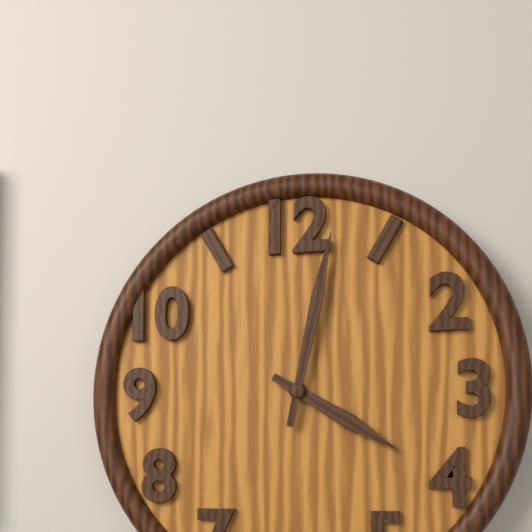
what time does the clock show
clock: 4:02
